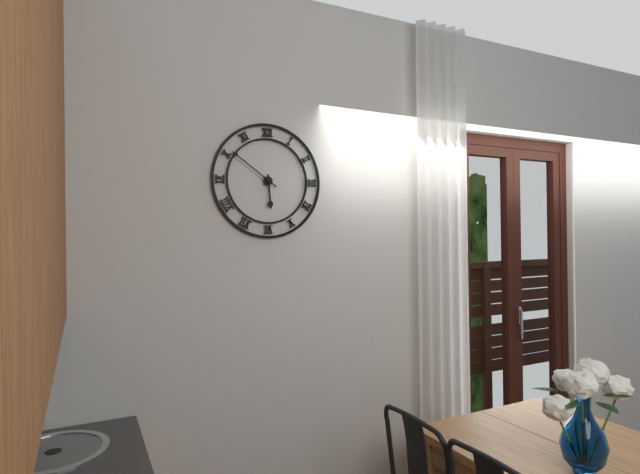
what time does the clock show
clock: 5:51
